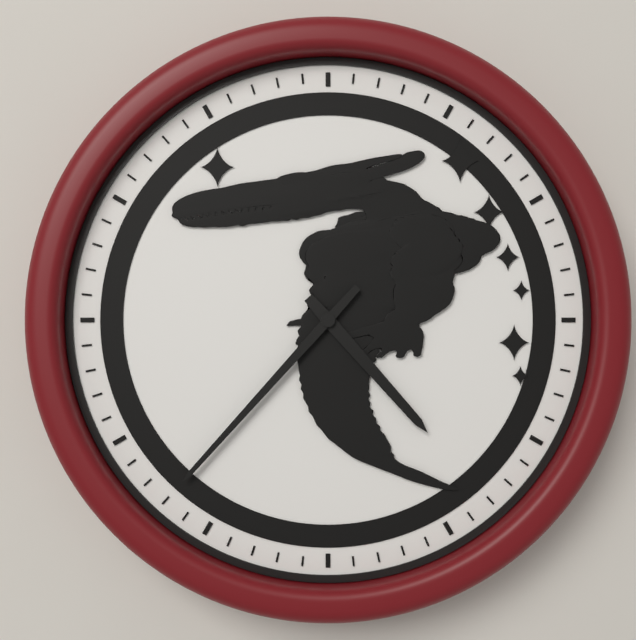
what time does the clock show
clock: 4:37
